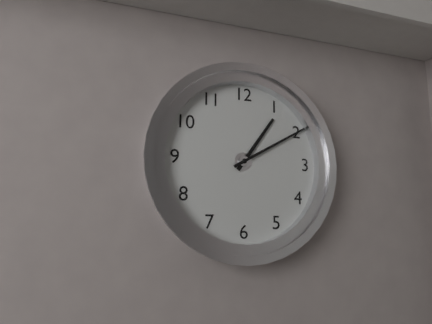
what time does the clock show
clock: 1:10
